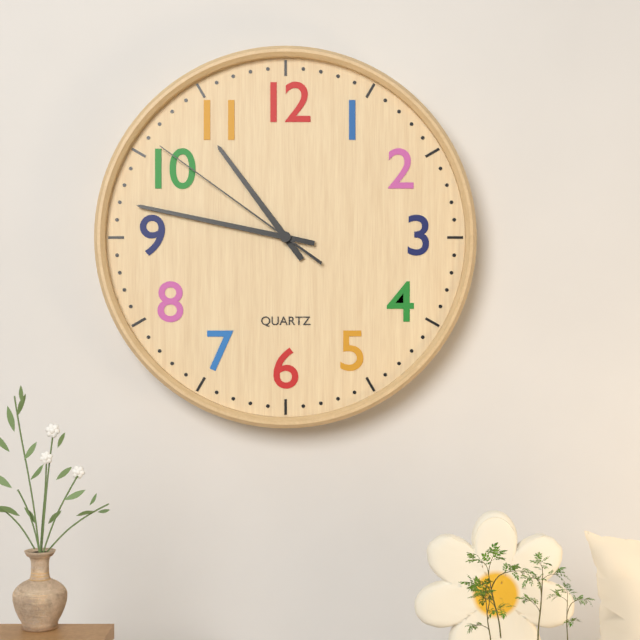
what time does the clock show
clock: 10:47:51
